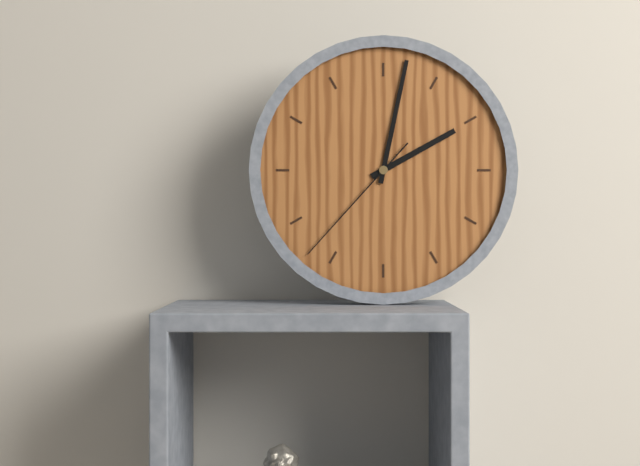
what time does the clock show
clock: 2:02:37
